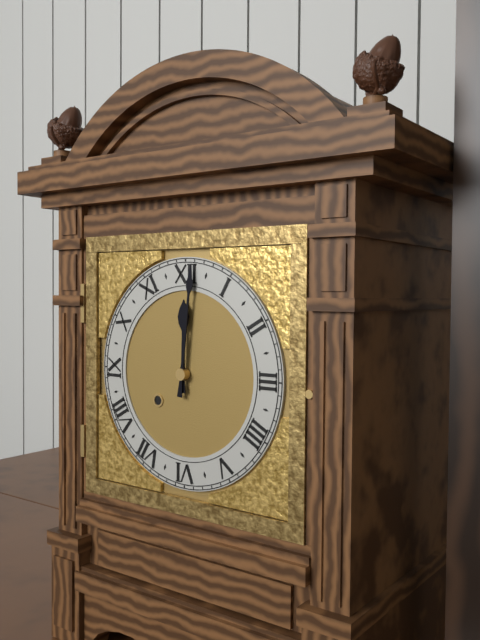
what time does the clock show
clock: 12:01
